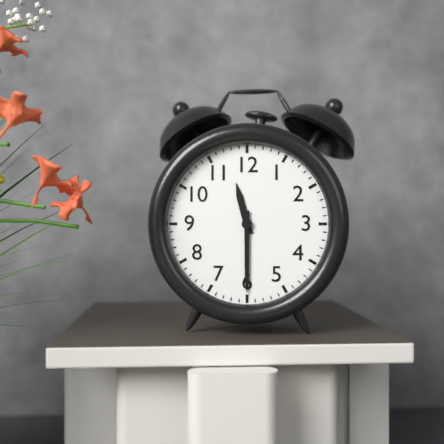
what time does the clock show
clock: 11:30
